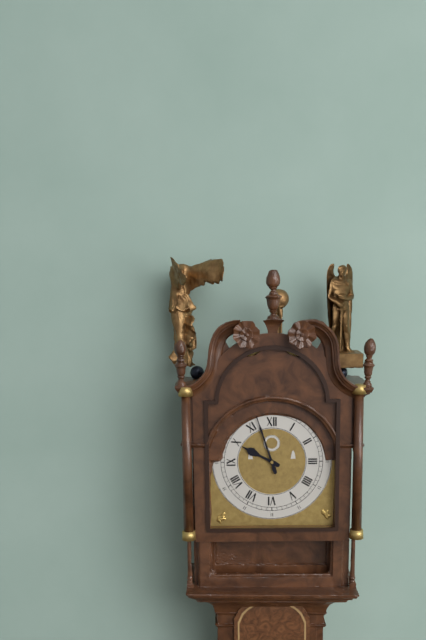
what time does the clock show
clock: 9:57
